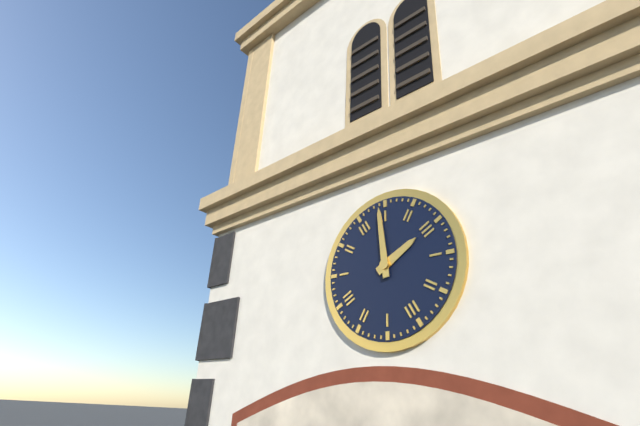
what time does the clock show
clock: 1:59
